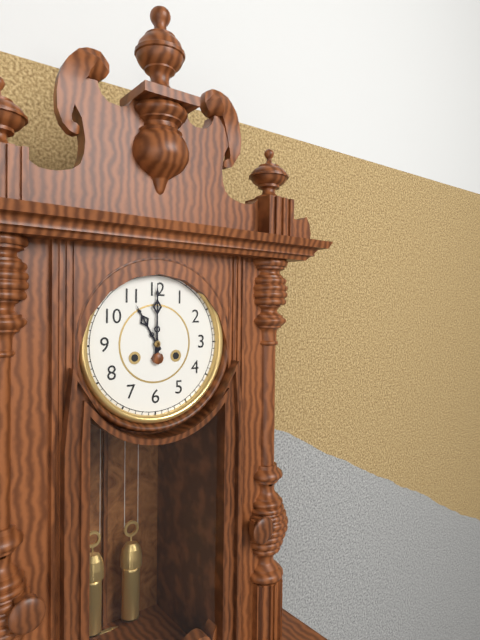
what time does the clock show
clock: 11:00
